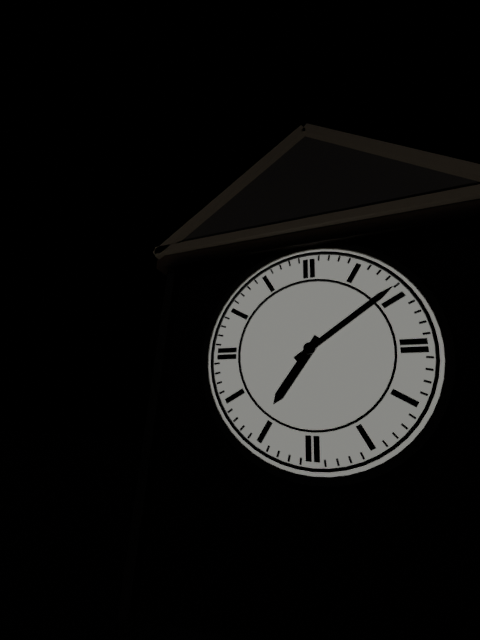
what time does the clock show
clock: 7:09
